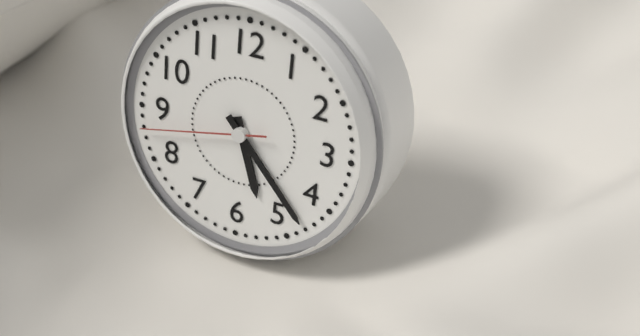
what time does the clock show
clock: 5:23:43
